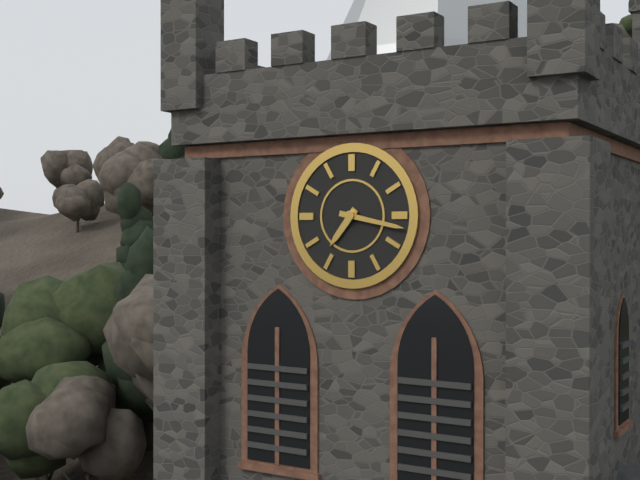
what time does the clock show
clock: 7:17
